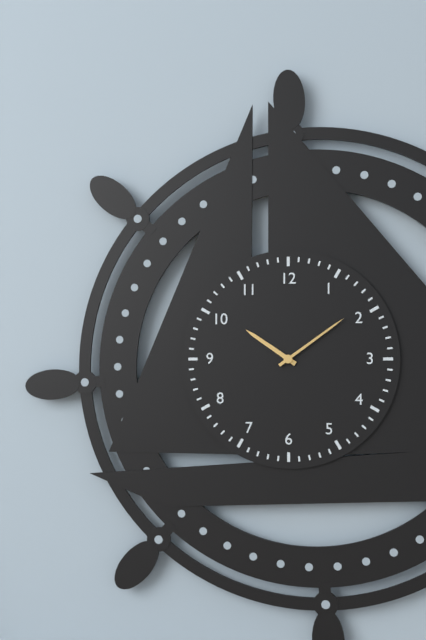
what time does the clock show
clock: 10:09
